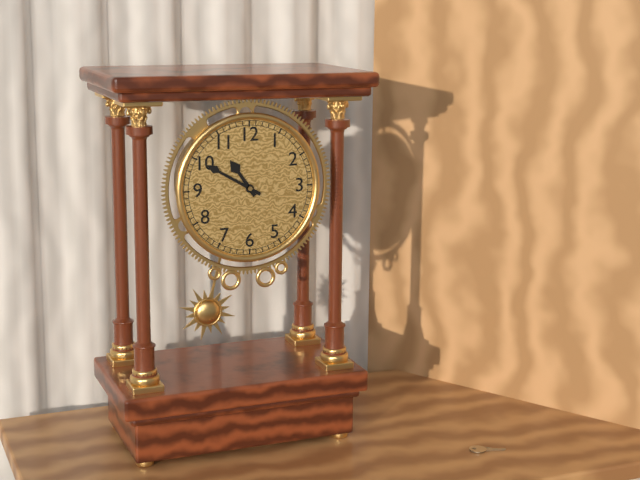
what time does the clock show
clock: 10:50
